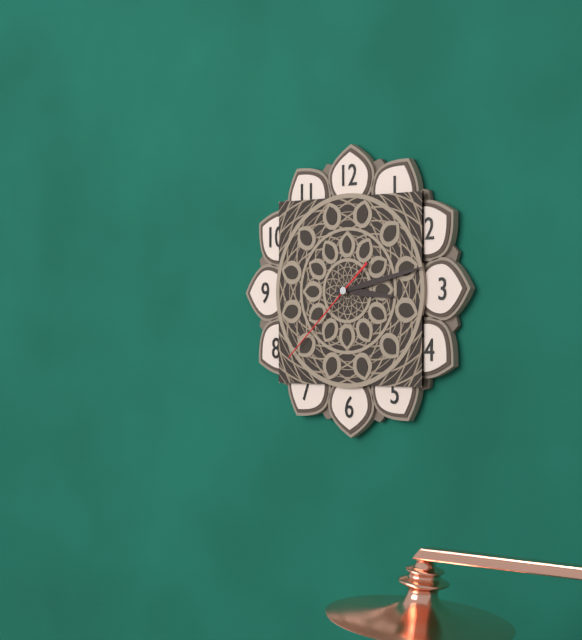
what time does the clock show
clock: 3:13:38
